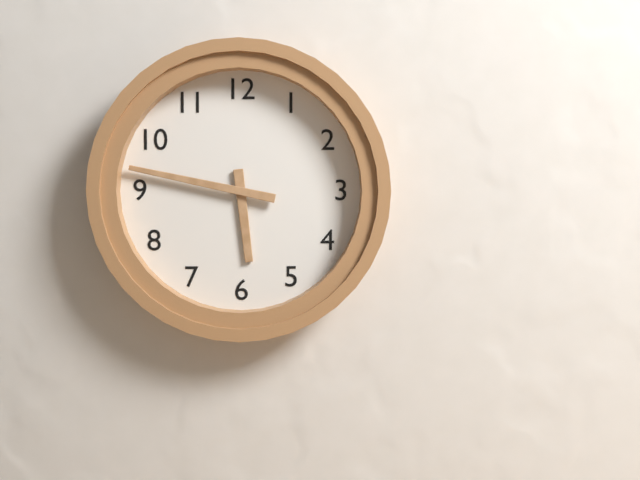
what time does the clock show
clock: 5:47
